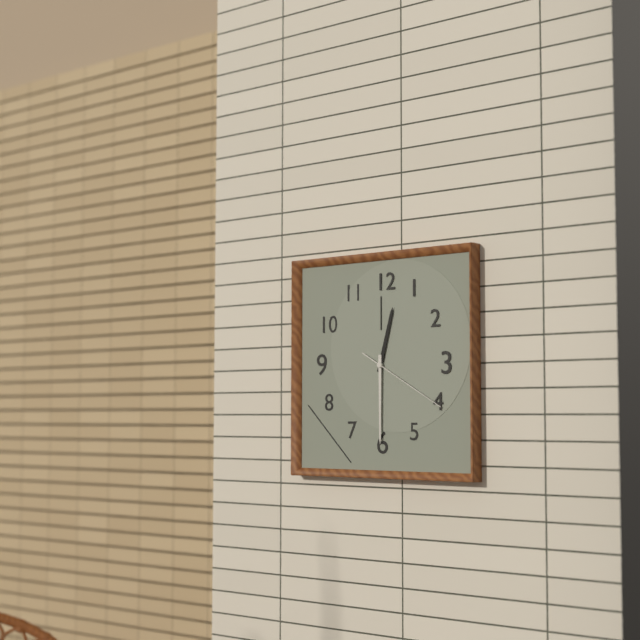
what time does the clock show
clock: 12:30:20
